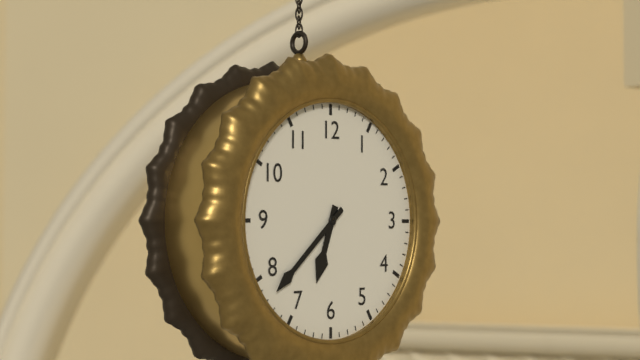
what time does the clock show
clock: 6:38
